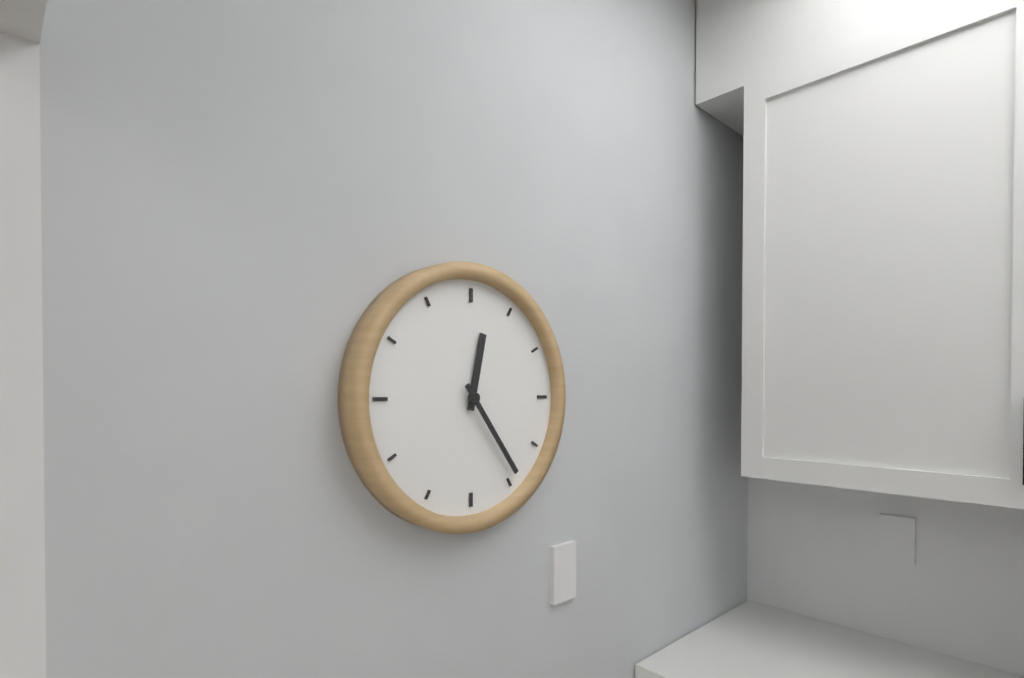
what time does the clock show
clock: 12:24
